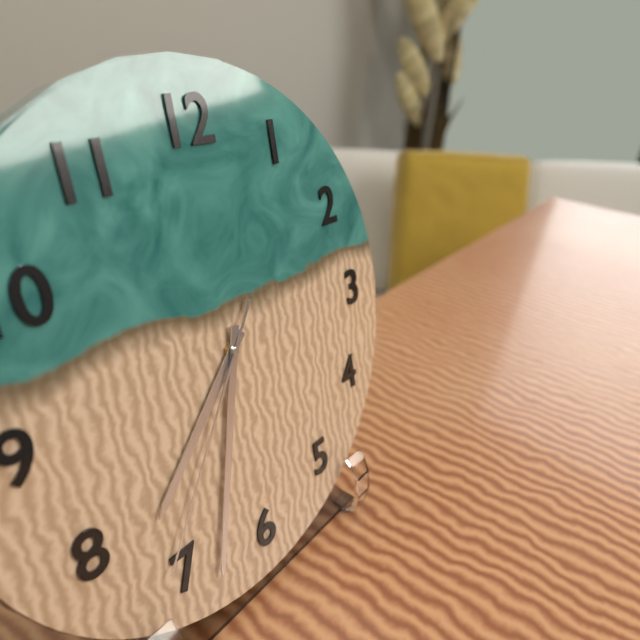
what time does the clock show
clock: 7:33:36
